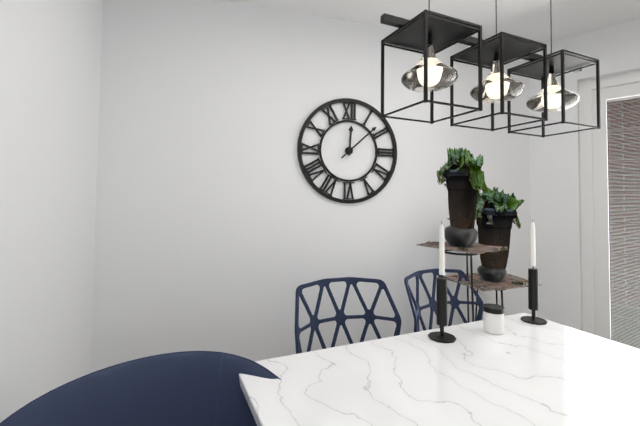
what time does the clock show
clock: 12:08
